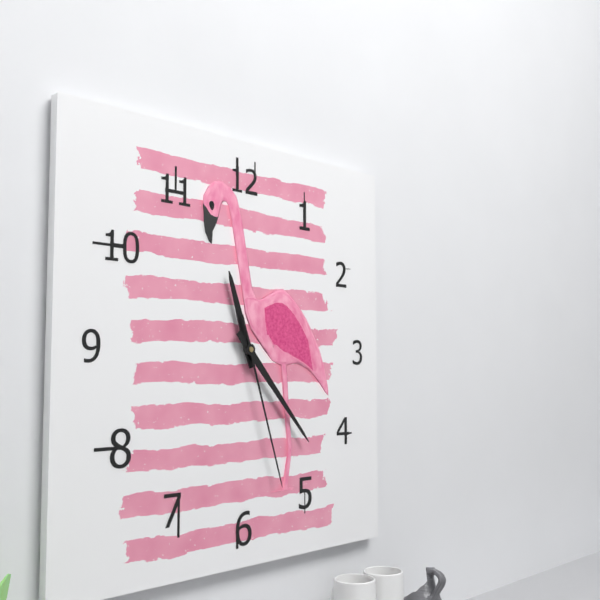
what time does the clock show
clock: 11:23:27
